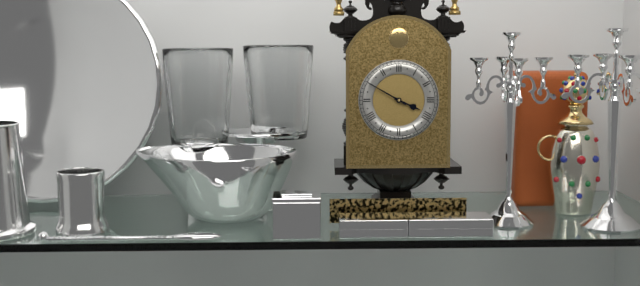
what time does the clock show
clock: 3:50
